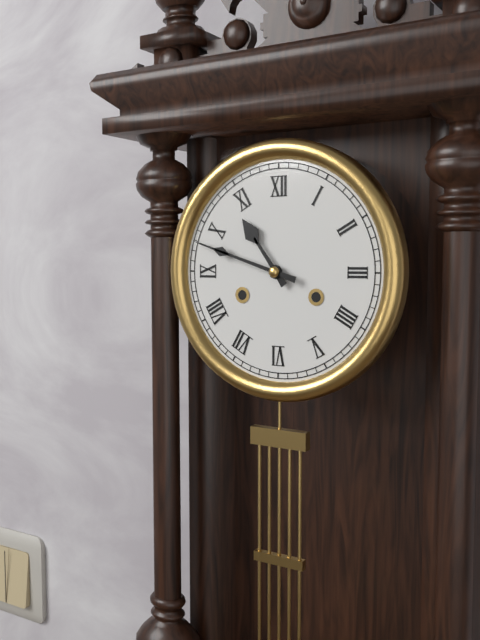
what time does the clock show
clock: 10:48
